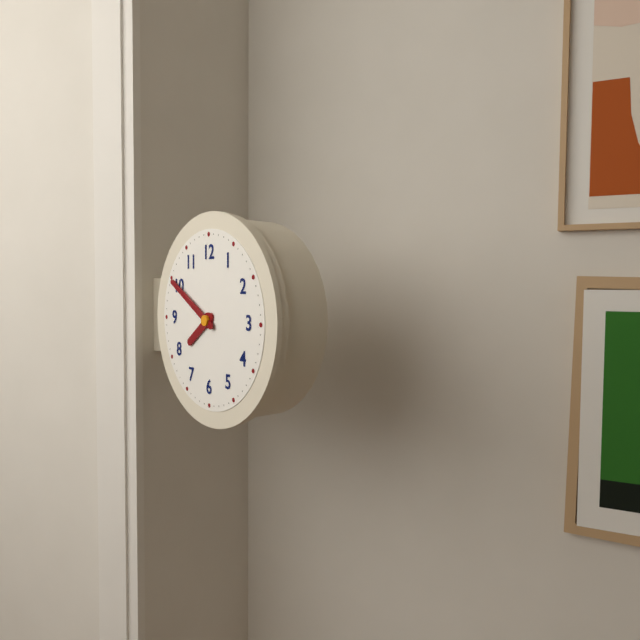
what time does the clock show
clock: 7:50
